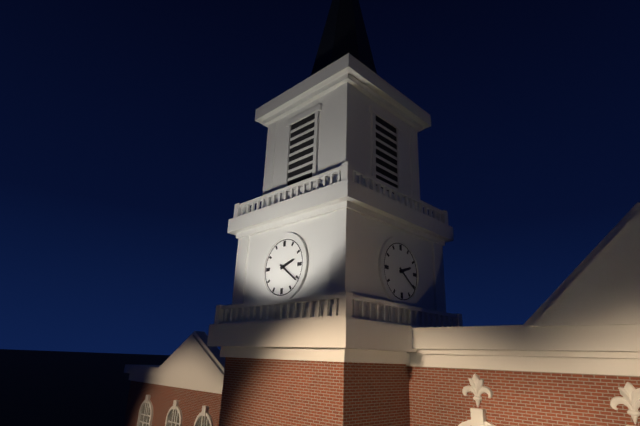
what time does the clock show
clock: 2:21
